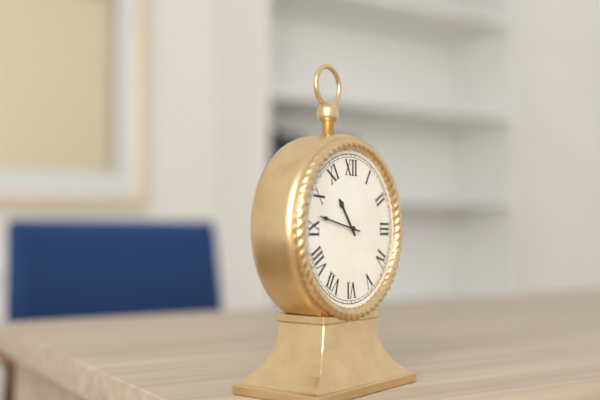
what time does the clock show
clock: 10:47
